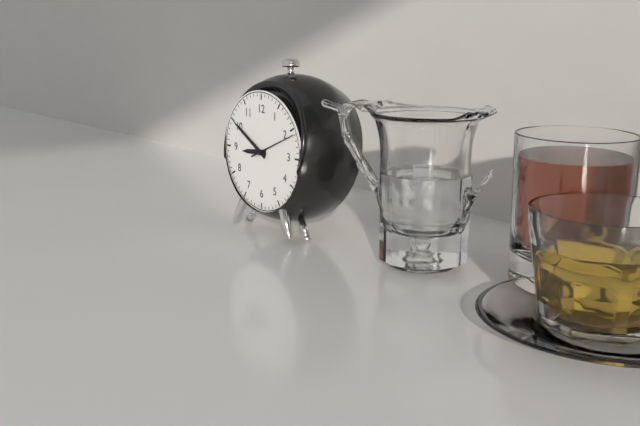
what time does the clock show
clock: 8:50
